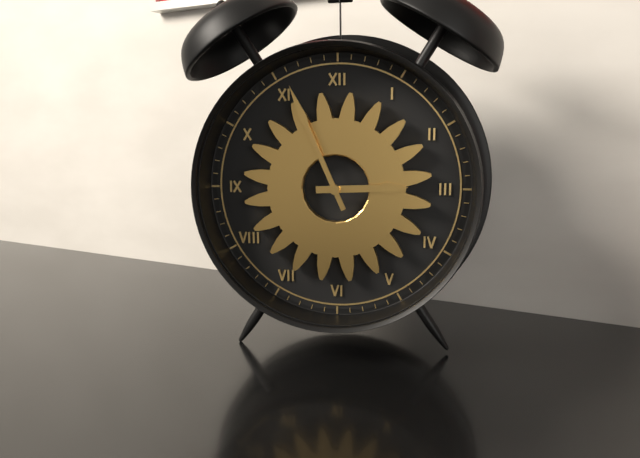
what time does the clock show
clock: 2:56
